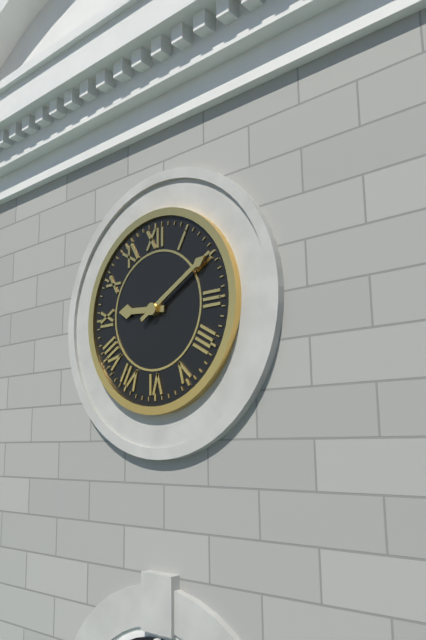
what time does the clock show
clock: 9:10
